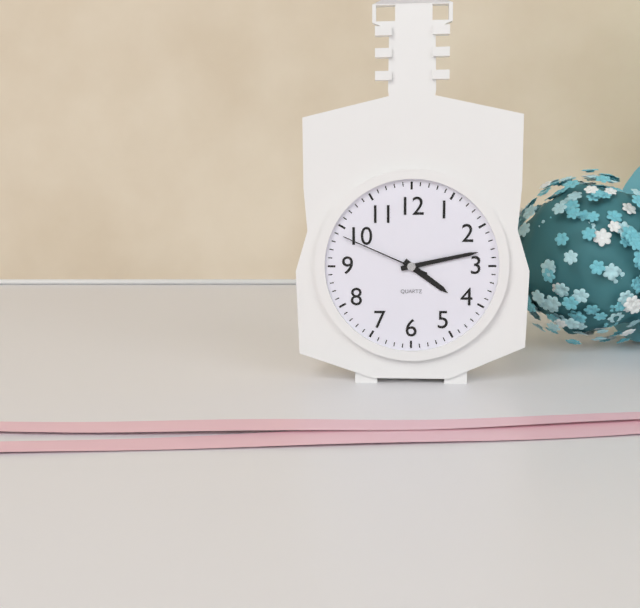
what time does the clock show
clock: 4:13:49
